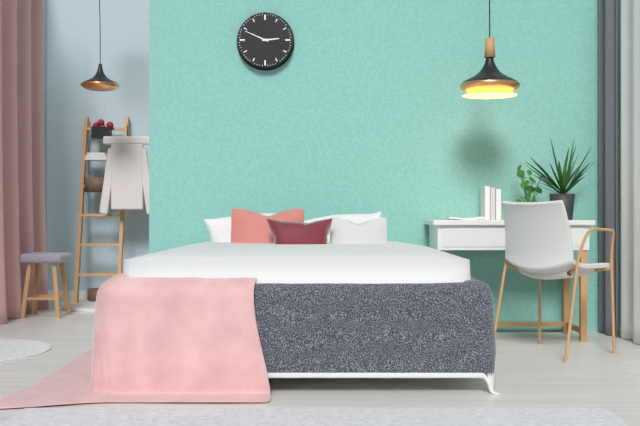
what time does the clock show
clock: 2:49
